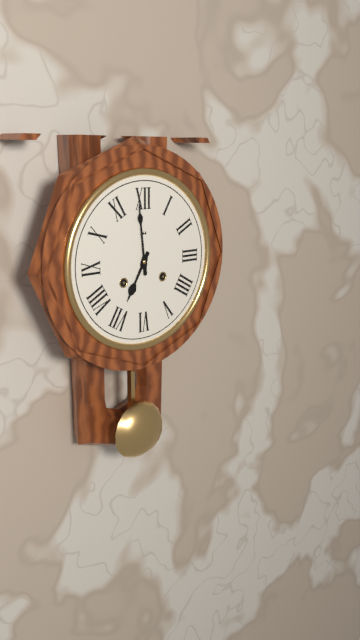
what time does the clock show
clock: 6:59
